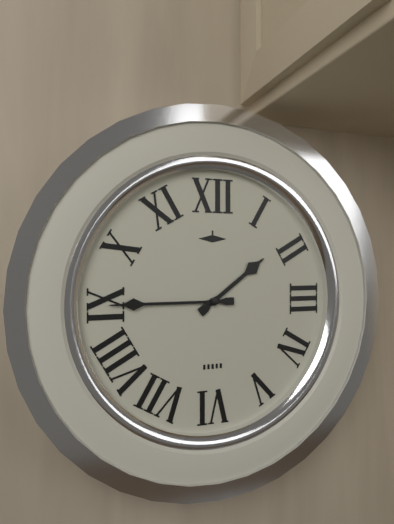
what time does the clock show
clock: 1:45
